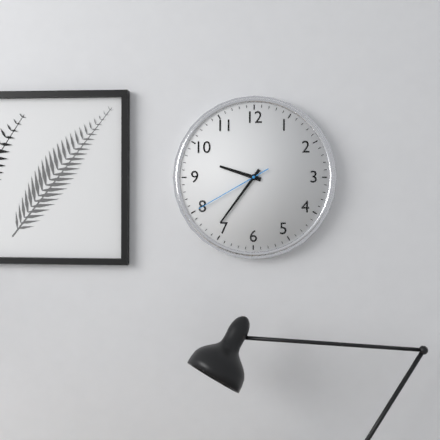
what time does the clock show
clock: 9:36:40
